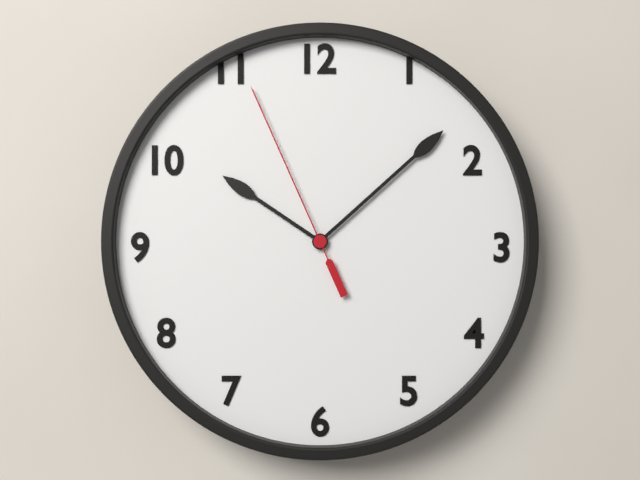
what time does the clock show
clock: 10:08:56
